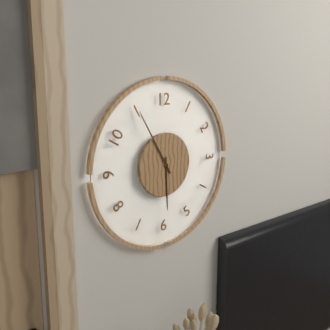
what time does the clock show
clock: 5:55
